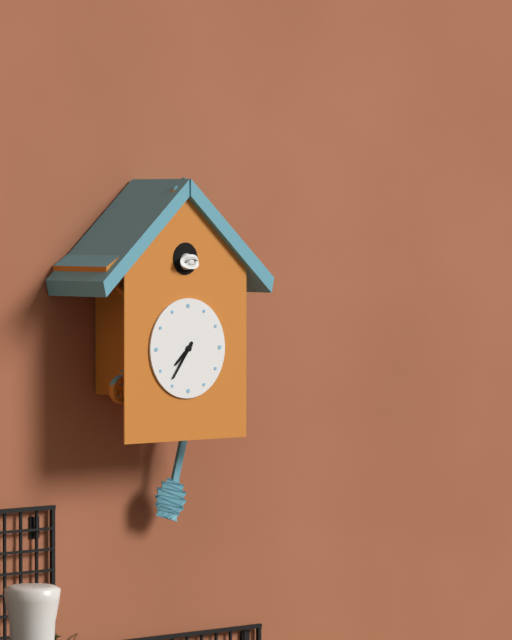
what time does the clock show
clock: 7:36
